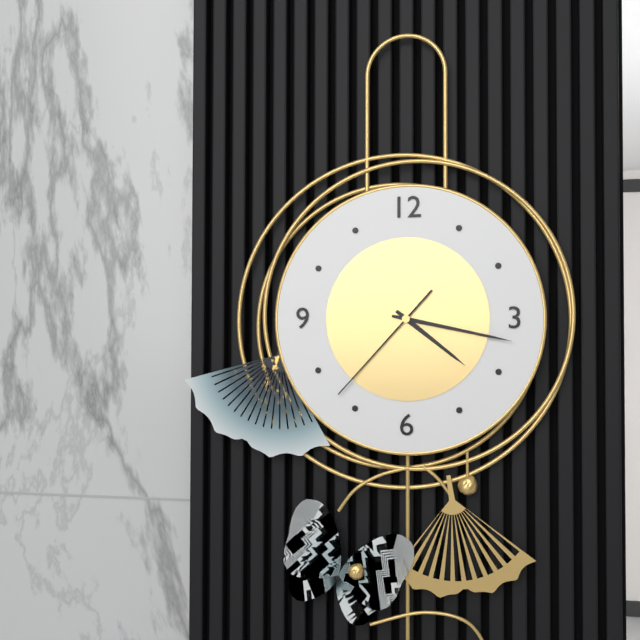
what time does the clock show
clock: 4:17:37
